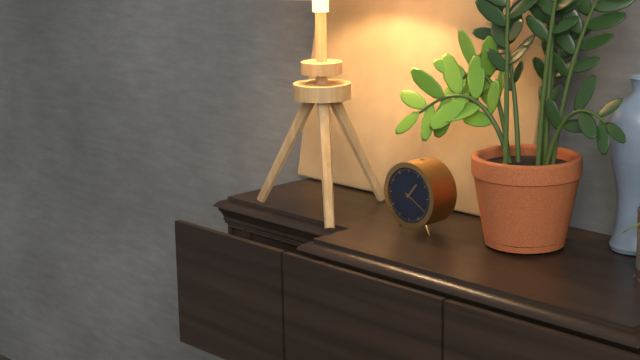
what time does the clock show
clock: 1:20
